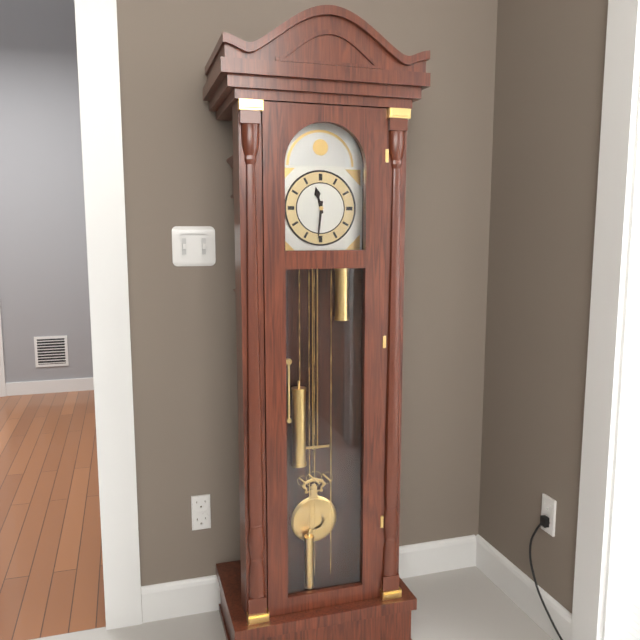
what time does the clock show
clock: 11:31
